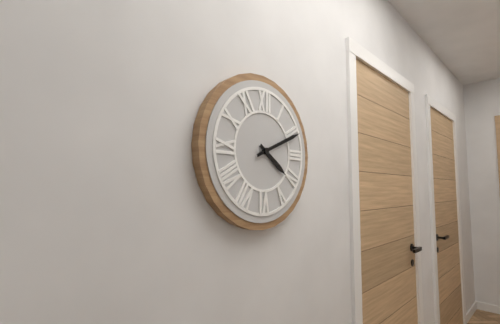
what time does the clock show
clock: 4:11
